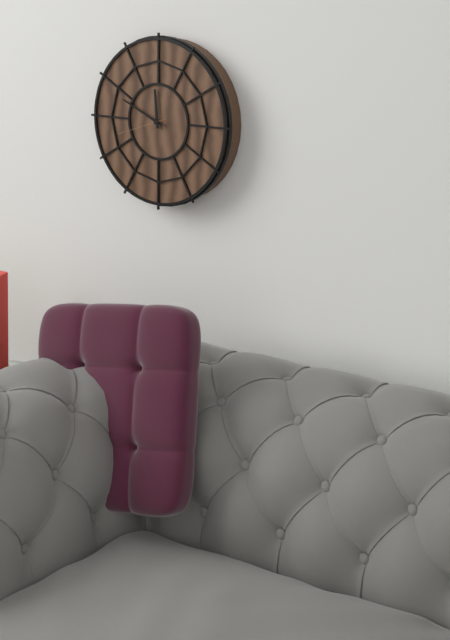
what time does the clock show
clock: 11:49
